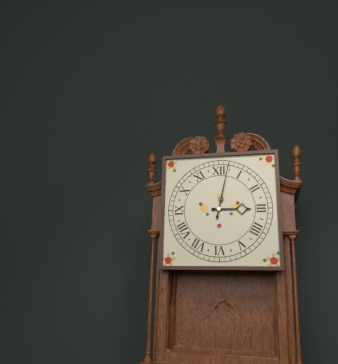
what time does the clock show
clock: 3:02
